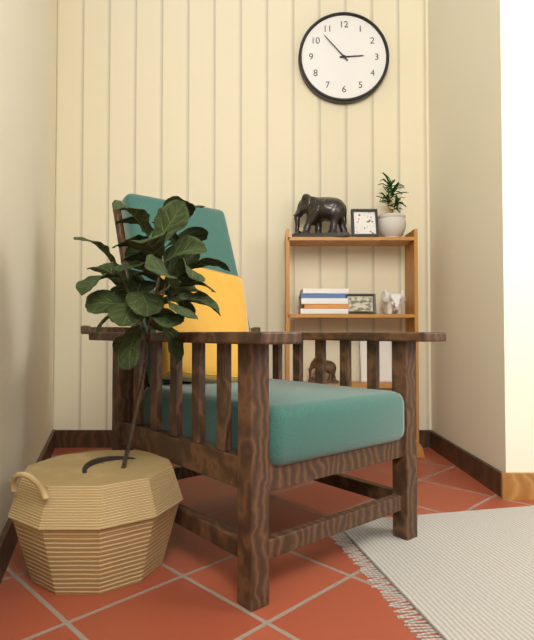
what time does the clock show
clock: 2:53
